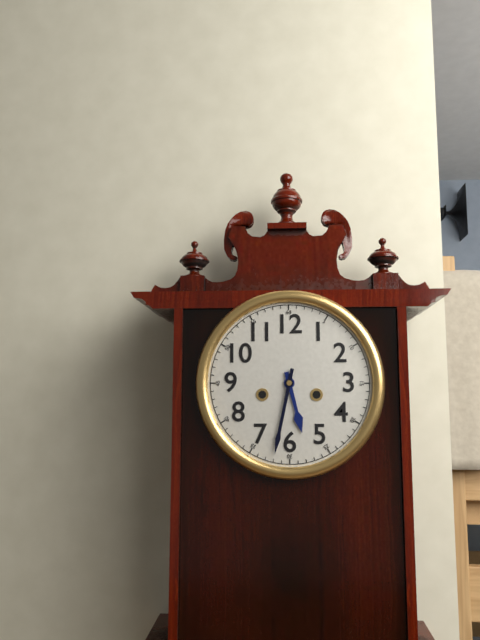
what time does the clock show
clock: 5:32
